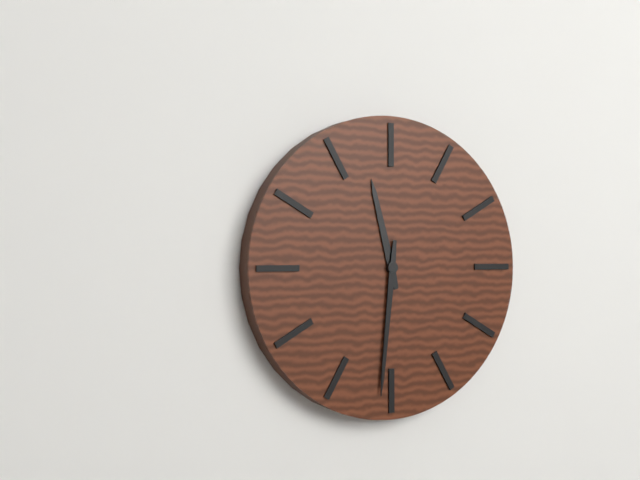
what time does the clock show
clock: 11:31
